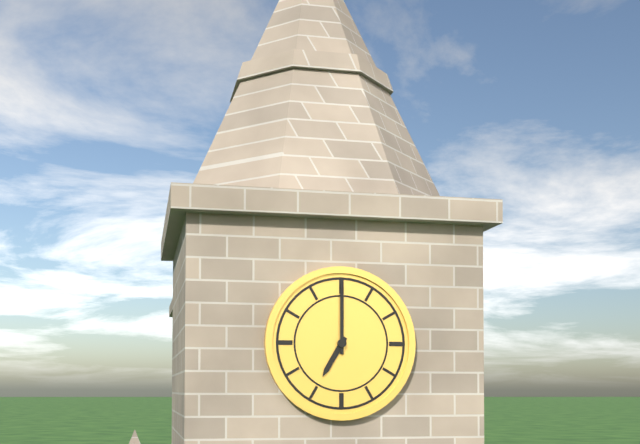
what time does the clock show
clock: 7:00
